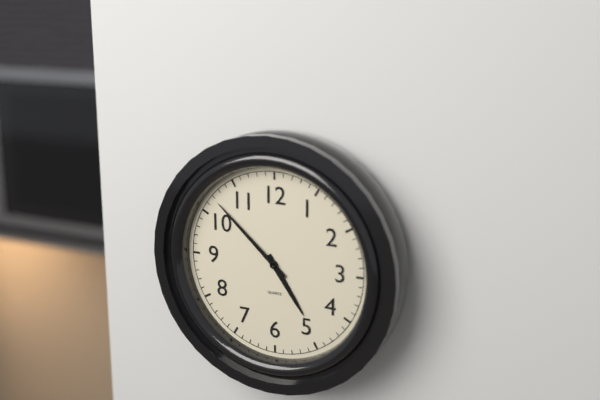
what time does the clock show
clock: 4:52
